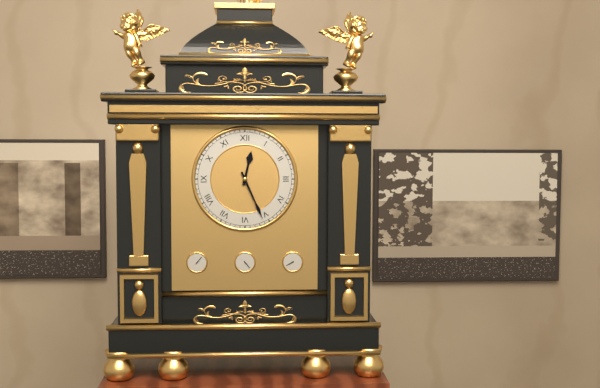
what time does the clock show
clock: 12:26
